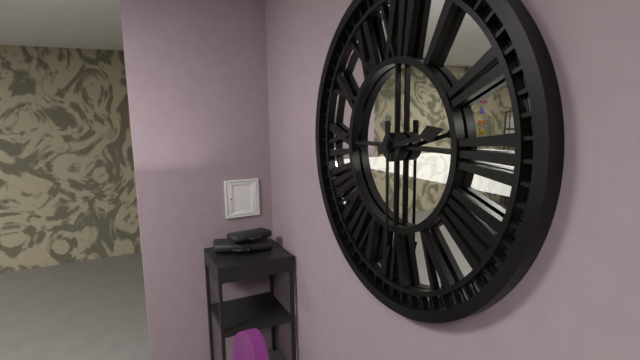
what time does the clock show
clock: 2:30
